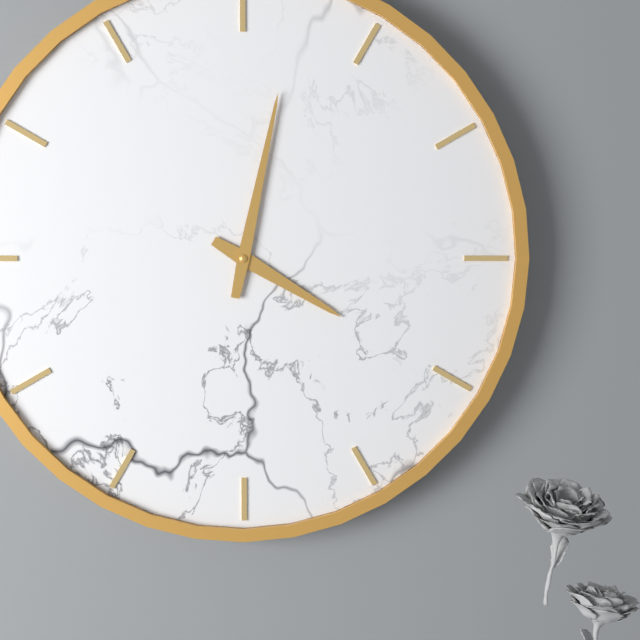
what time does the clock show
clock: 4:02
